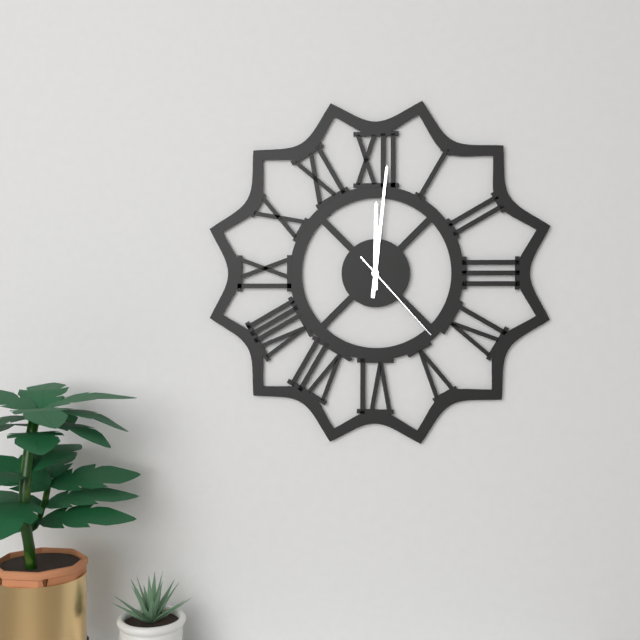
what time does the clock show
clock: 12:01:23
